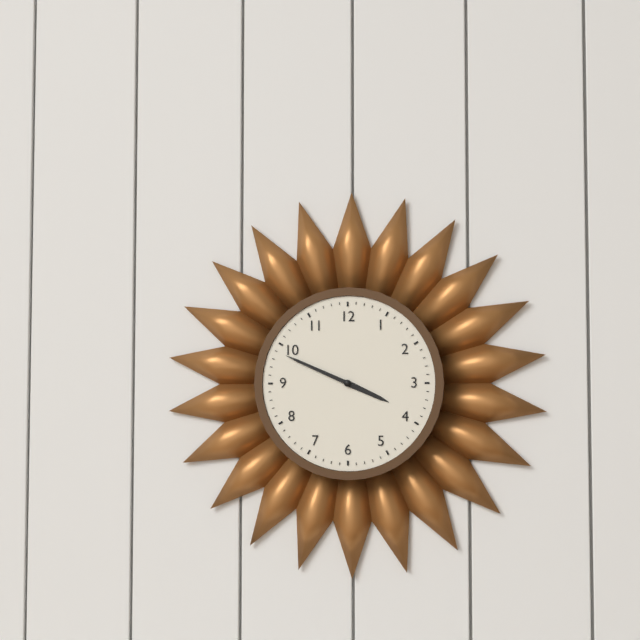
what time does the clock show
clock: 3:49
